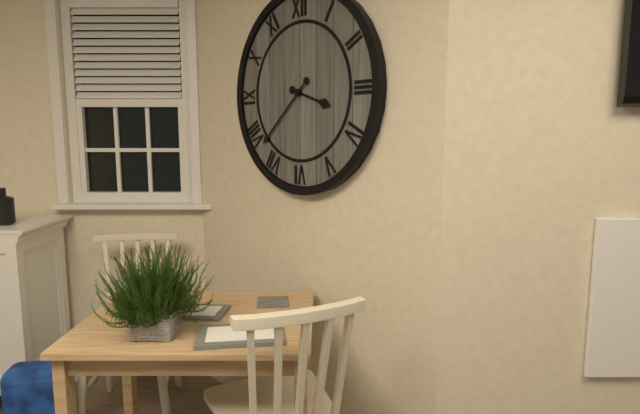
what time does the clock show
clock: 3:38
